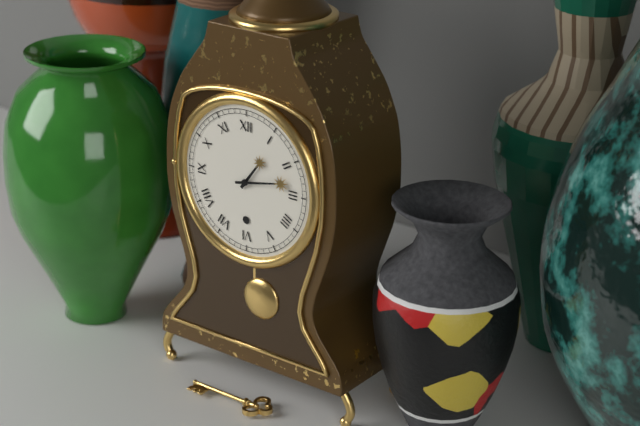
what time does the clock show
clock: 1:13
